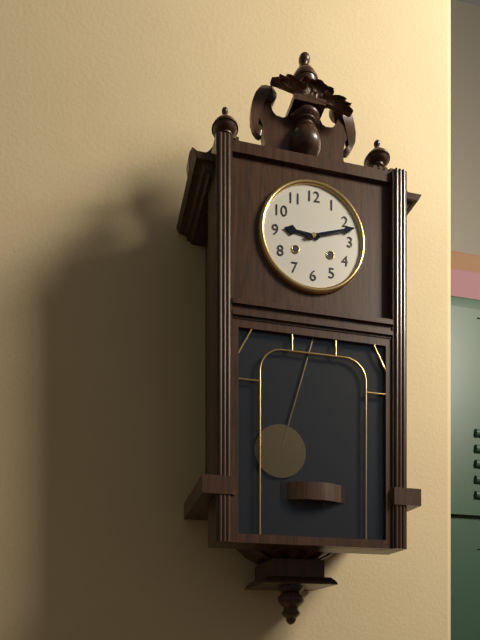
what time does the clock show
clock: 9:12
